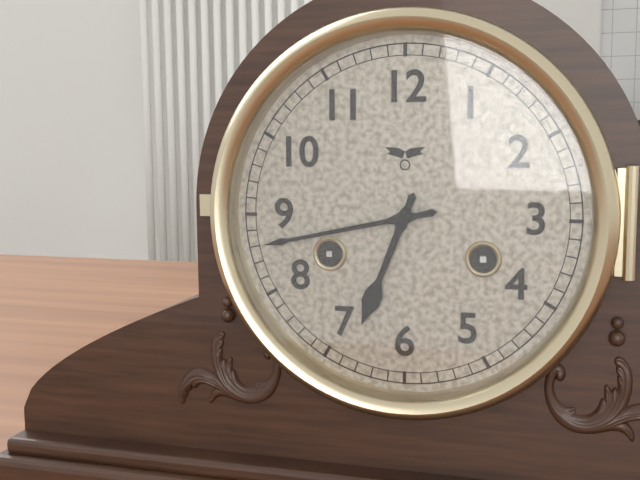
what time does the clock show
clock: 6:43
